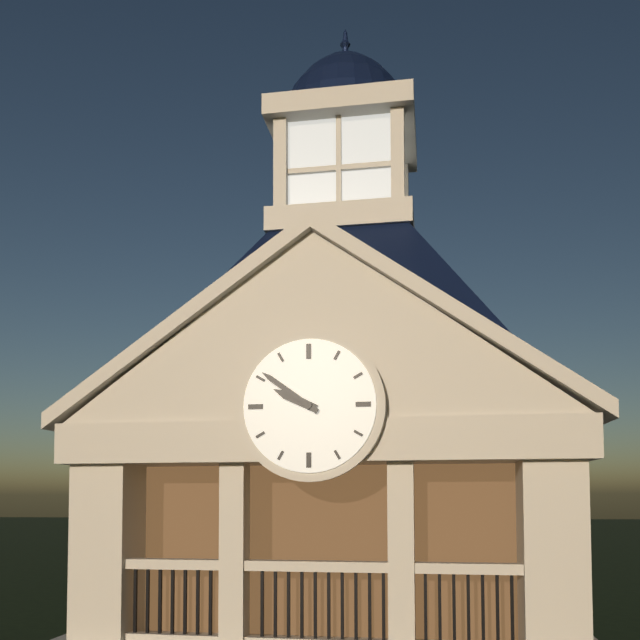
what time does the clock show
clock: 9:51
